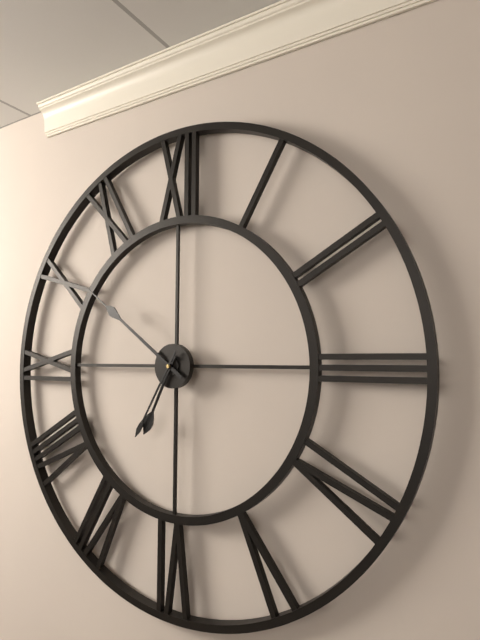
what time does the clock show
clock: 6:51:35
